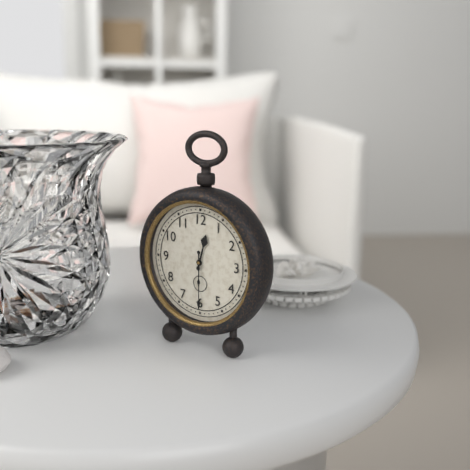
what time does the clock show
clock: 12:30
